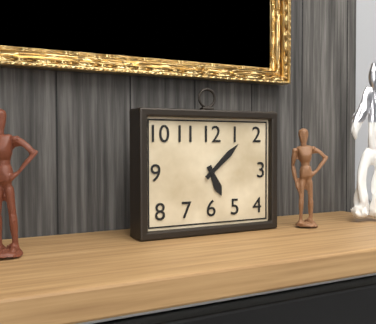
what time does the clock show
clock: 5:08
